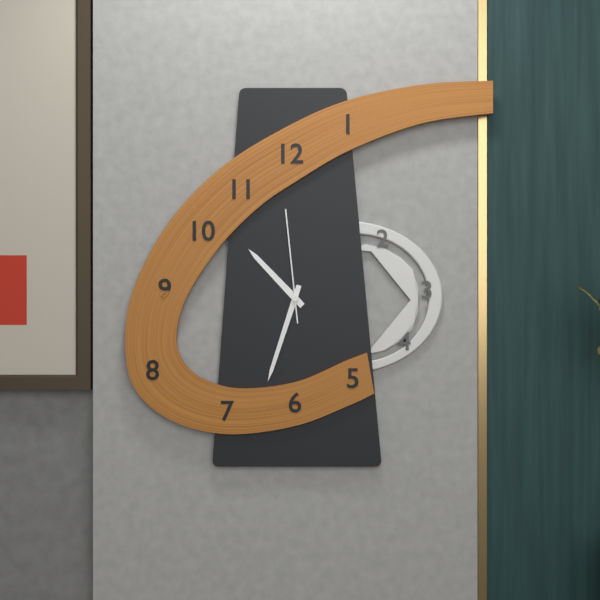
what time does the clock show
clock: 10:33:59
